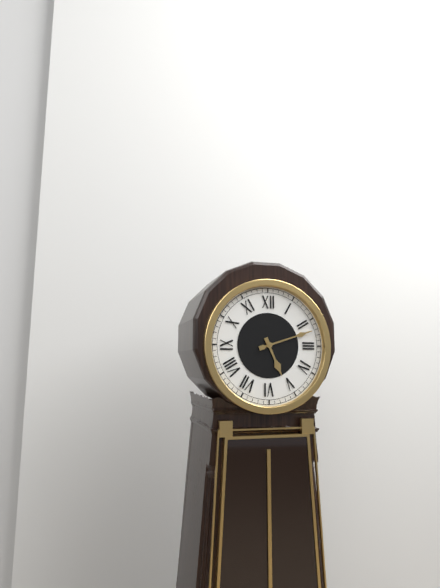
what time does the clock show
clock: 5:12
